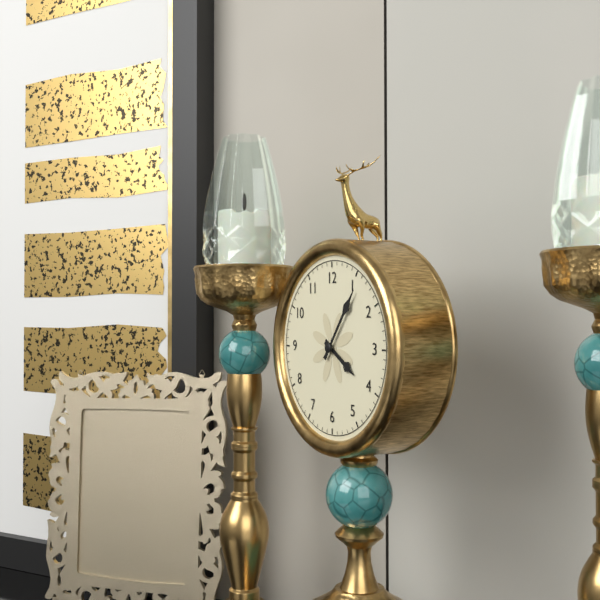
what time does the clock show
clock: 4:06
